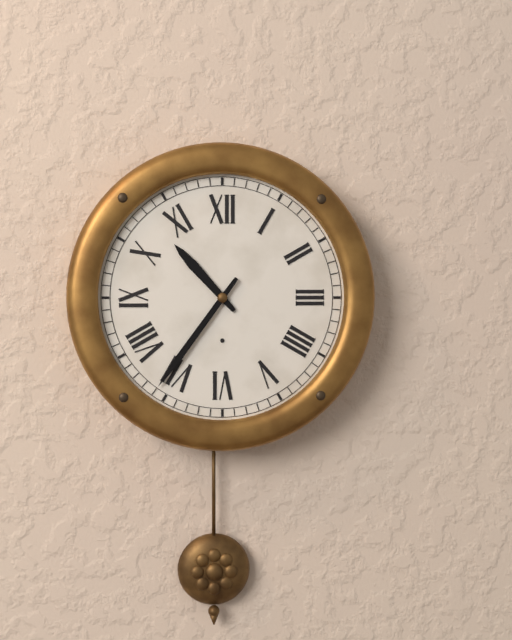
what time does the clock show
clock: 10:36
